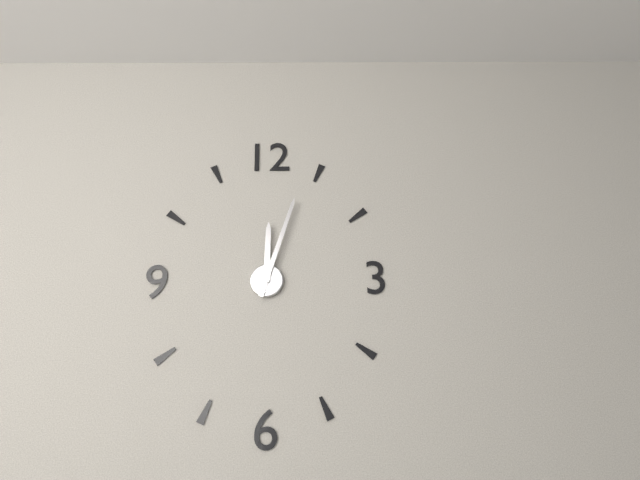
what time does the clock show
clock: 12:03
